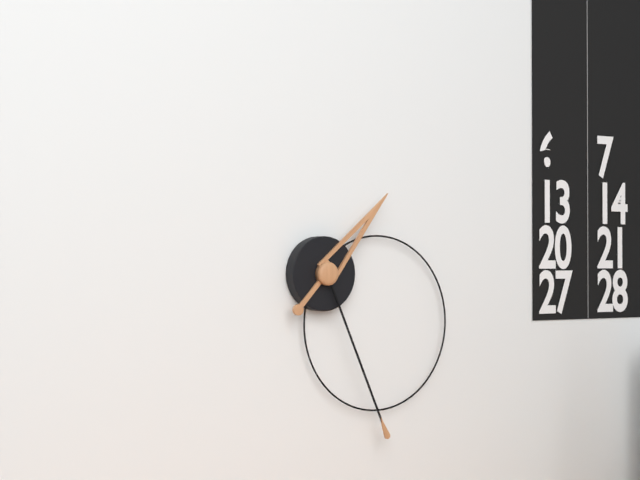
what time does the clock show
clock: 1:26
